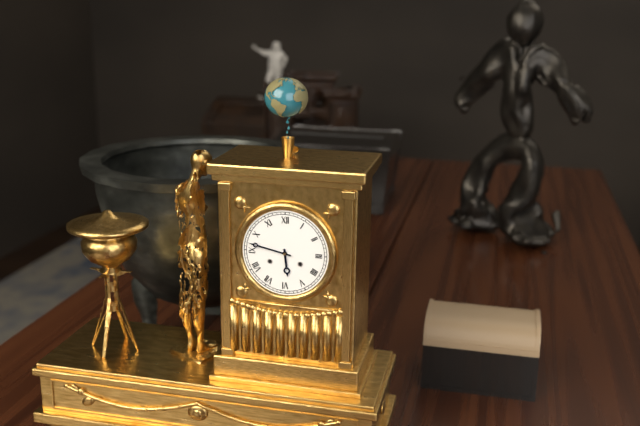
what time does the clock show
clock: 5:47
